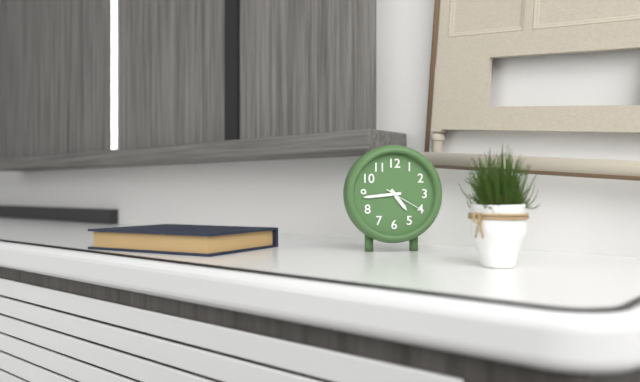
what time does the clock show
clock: 4:44
